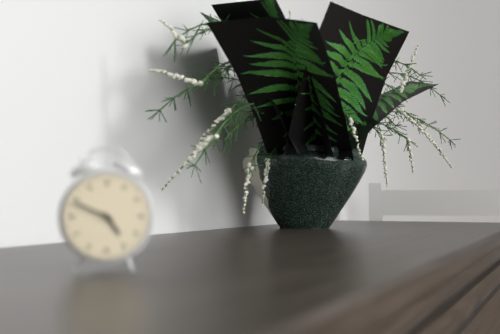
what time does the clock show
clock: 4:49
